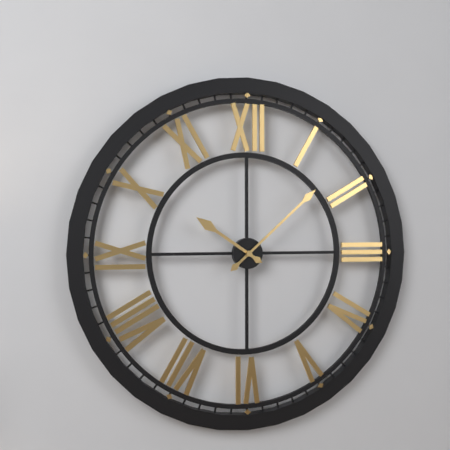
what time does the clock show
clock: 10:08
